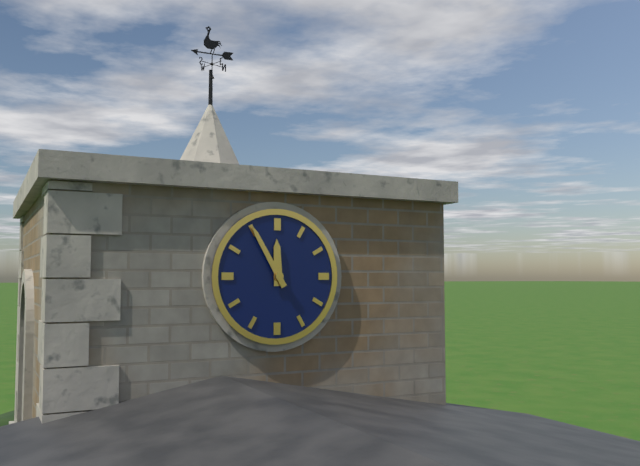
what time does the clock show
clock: 11:55
